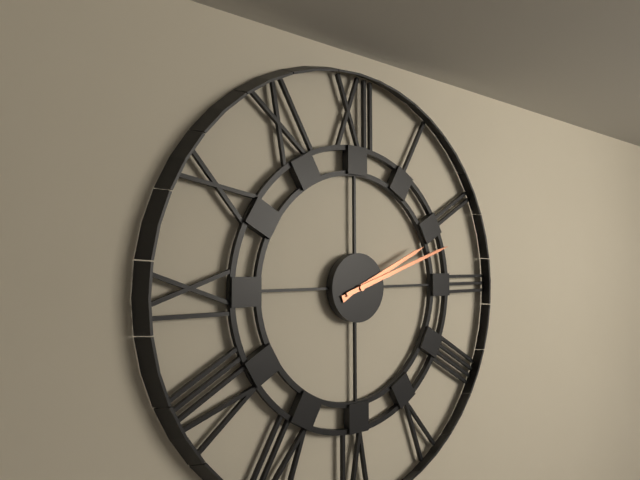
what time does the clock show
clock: 2:12
